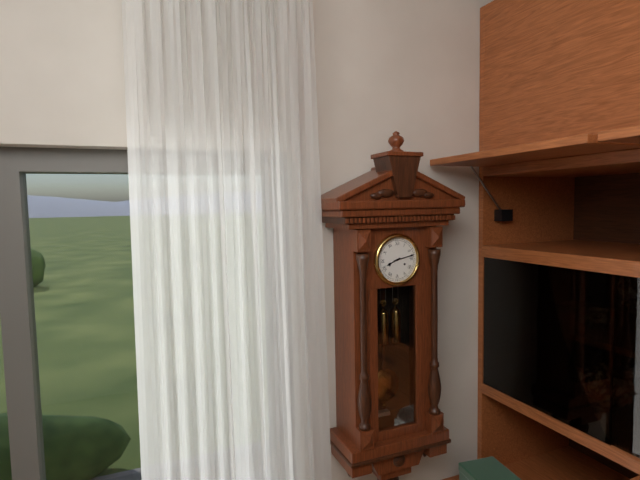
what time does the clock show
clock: 8:13
